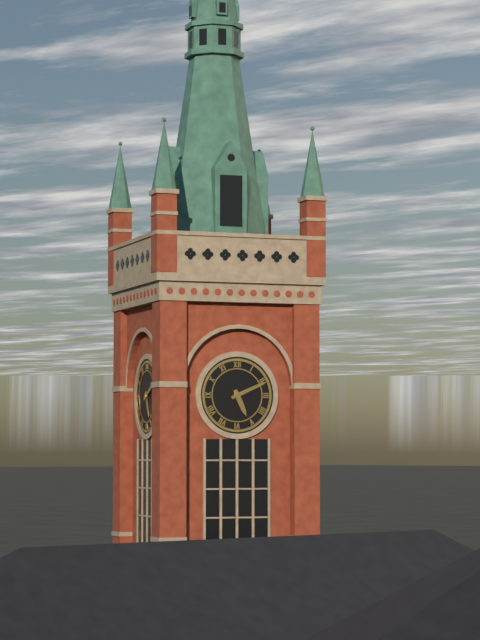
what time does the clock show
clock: 5:11
